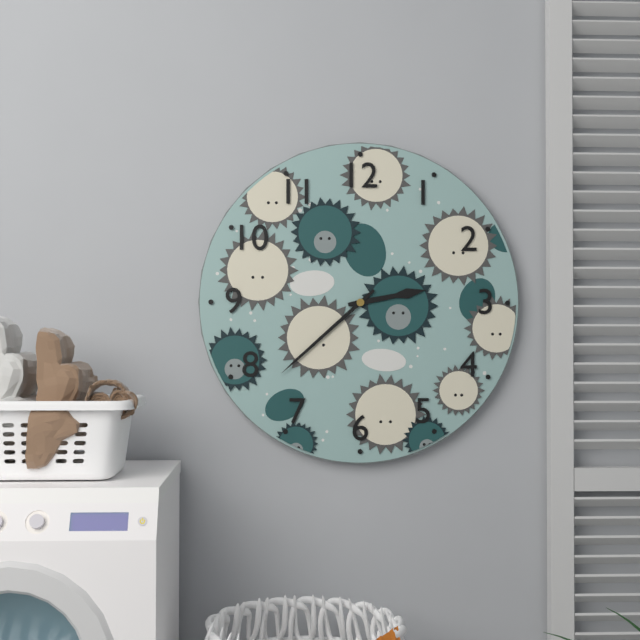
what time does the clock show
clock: 2:38
